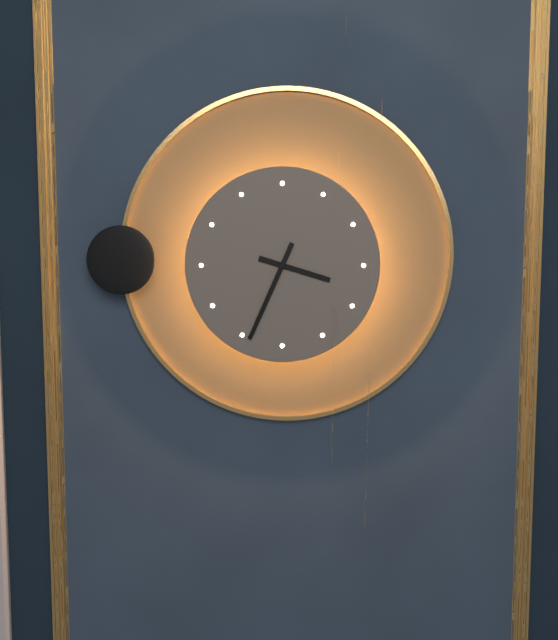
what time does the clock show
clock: 3:34
